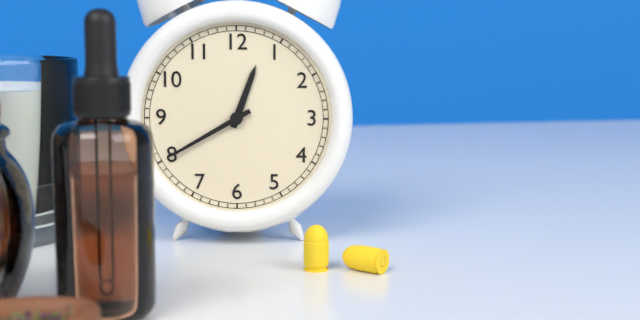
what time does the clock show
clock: 12:40
